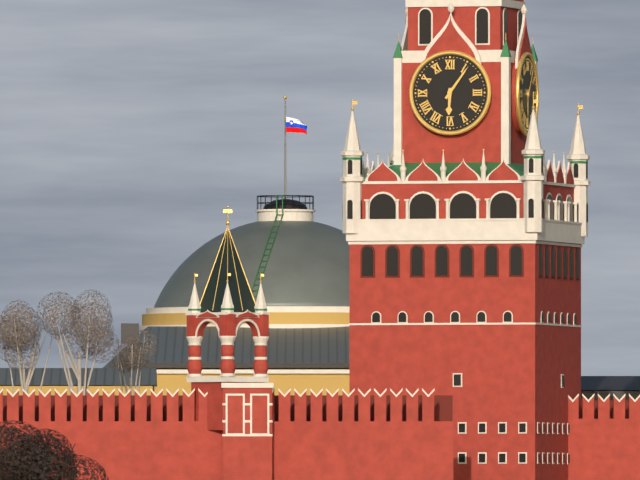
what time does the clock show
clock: 6:06
